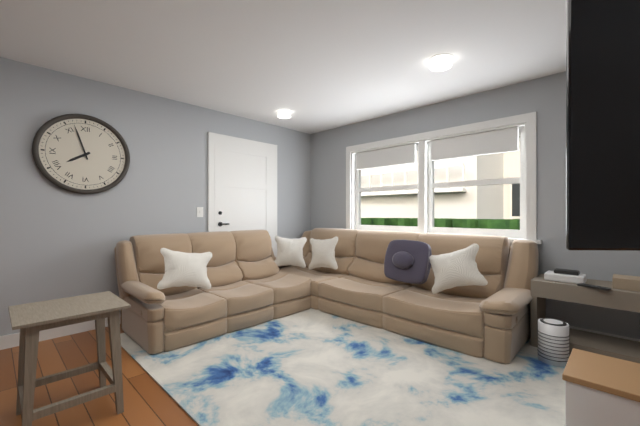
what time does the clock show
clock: 7:57
